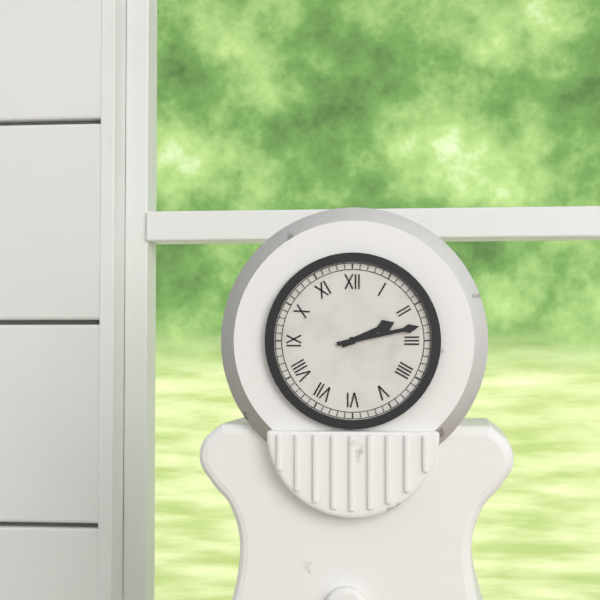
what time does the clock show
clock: 2:13
